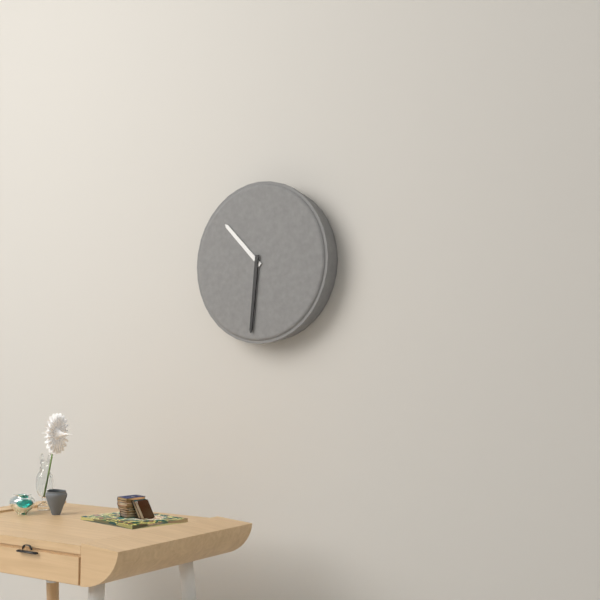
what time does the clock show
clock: 10:31
